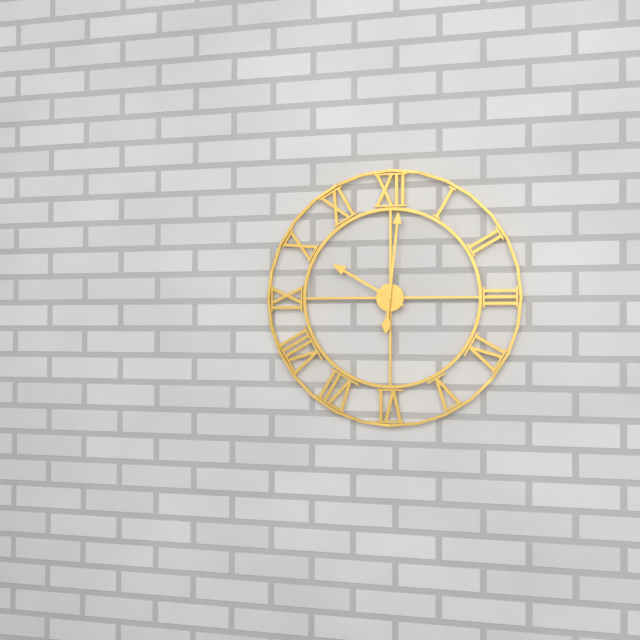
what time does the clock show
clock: 10:01
